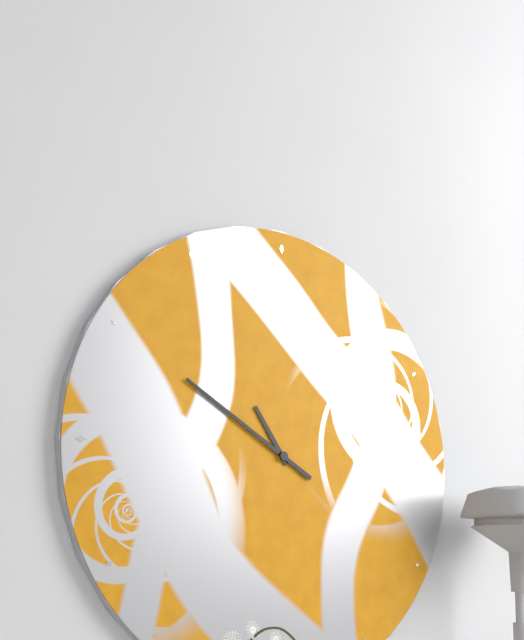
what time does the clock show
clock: 10:50
